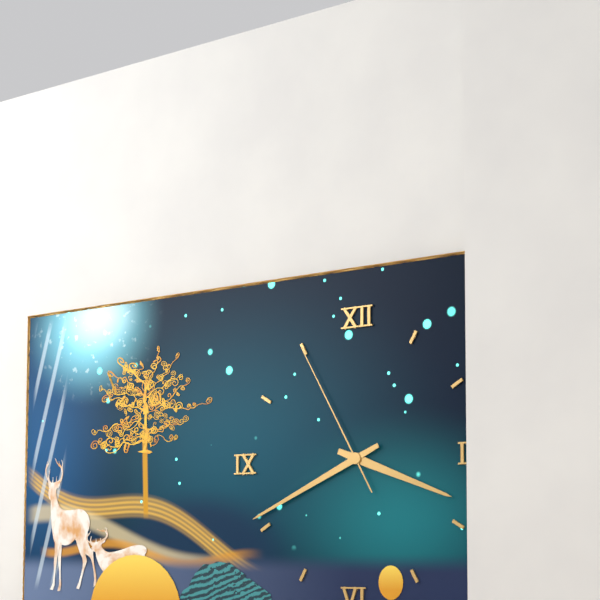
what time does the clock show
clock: 3:41:55
